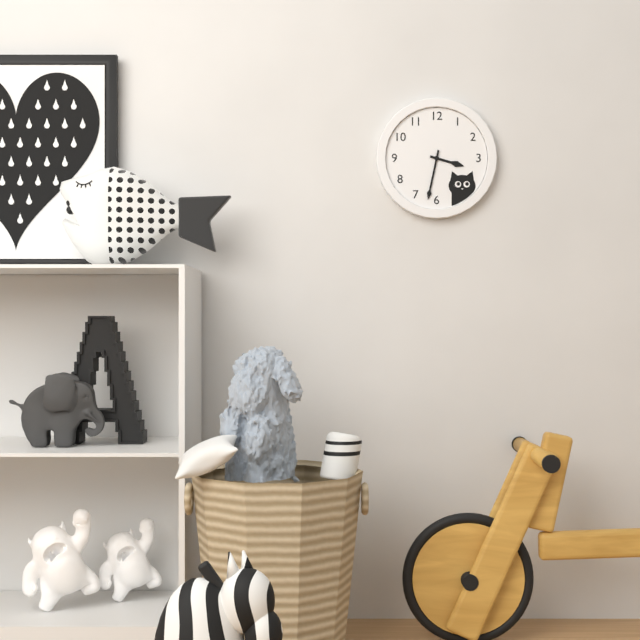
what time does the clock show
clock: 3:32
